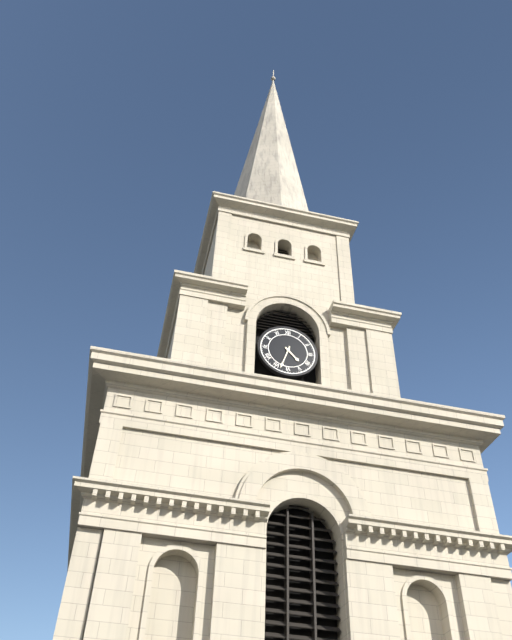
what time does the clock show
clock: 4:33
